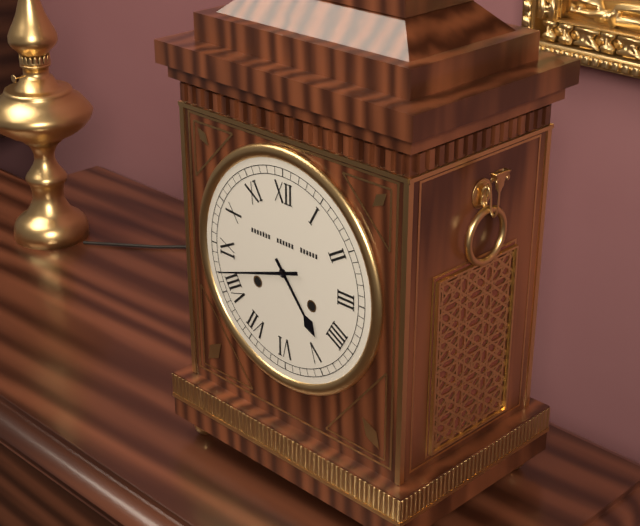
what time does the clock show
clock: 4:42
